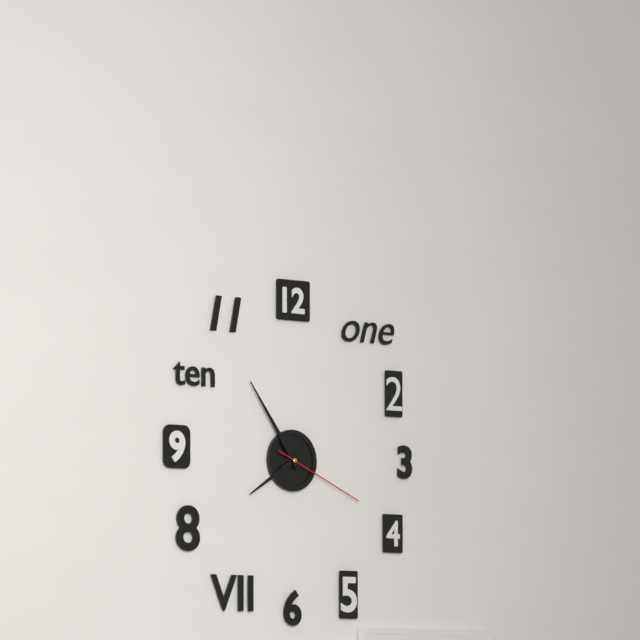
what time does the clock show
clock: 7:54:19
